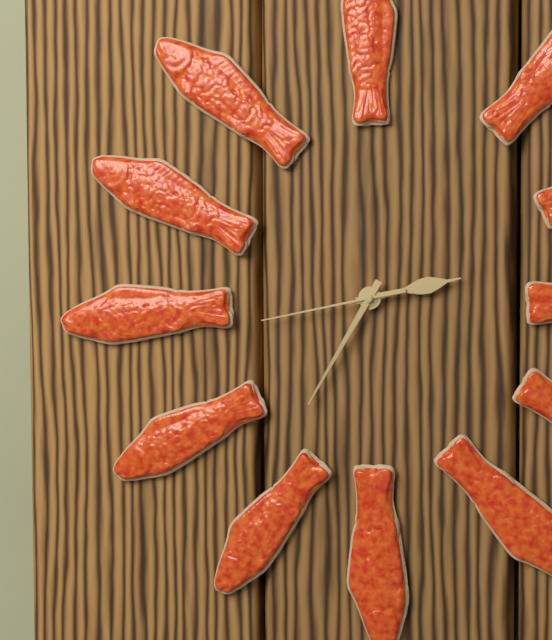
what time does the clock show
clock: 2:35:43
